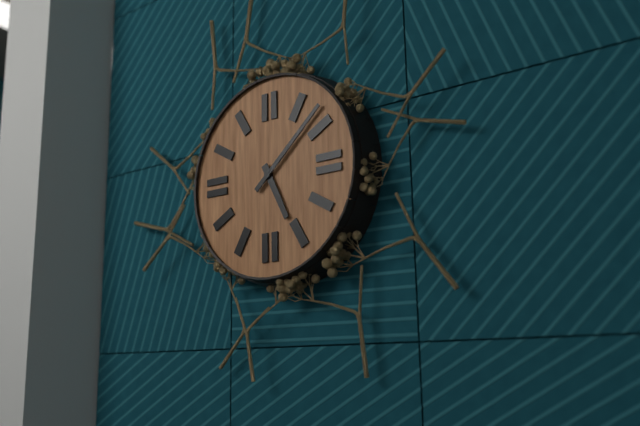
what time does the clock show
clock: 5:08
